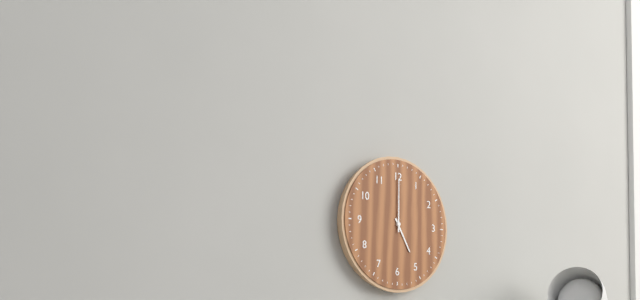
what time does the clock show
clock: 5:00
